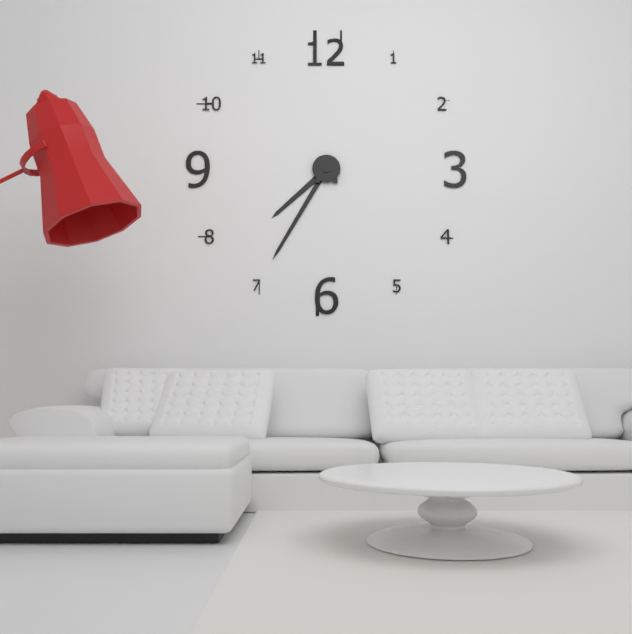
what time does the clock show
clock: 7:35
